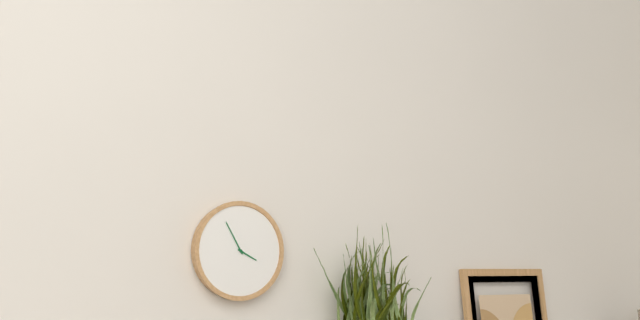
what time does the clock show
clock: 3:55
